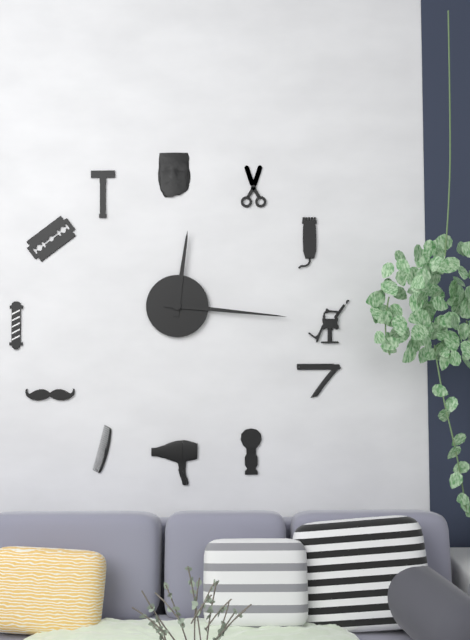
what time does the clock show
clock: 12:16
